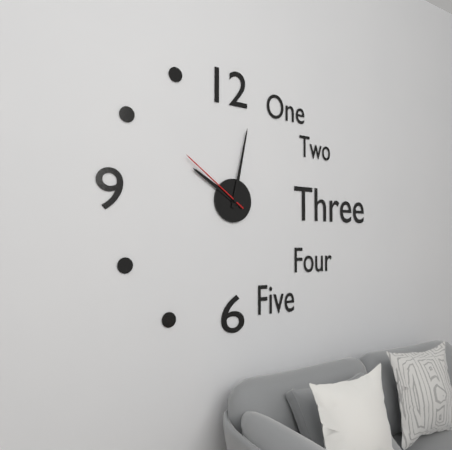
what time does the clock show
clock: 10:02:51
